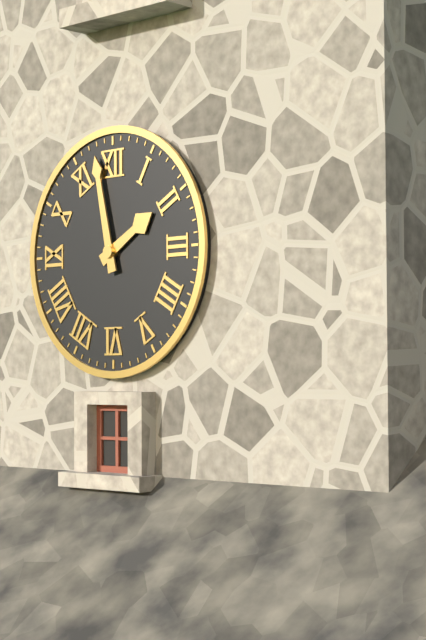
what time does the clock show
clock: 1:58
